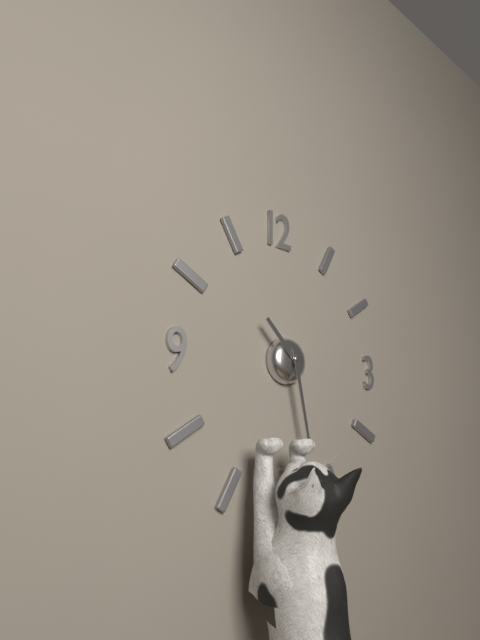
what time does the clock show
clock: 10:28
